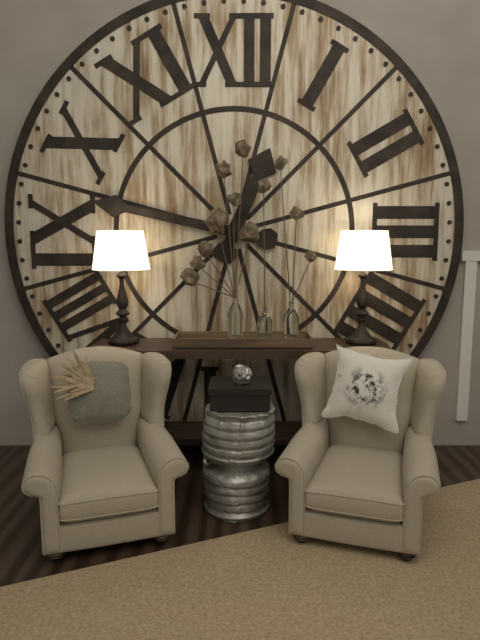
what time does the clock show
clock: 12:47
